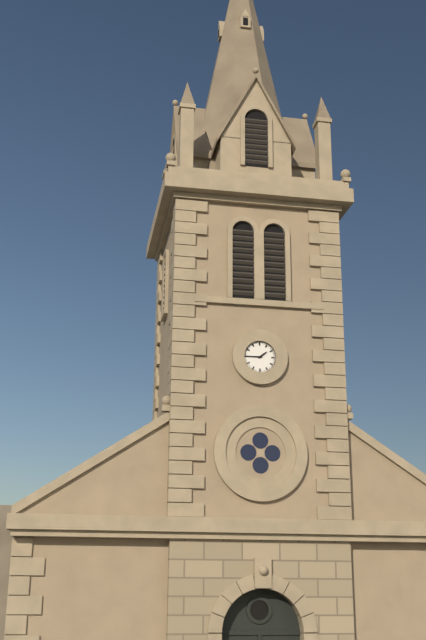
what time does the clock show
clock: 1:45
